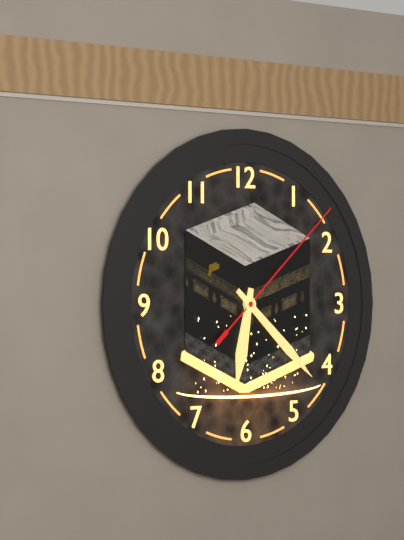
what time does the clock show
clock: 6:22:08
